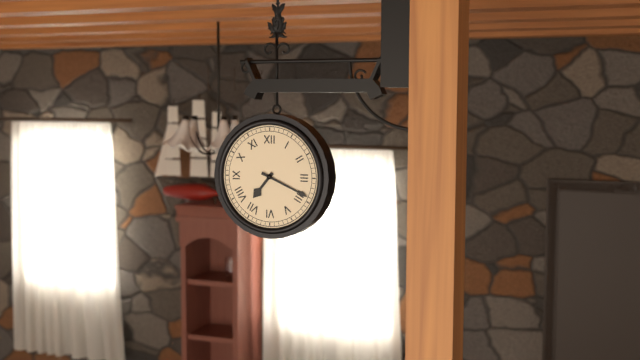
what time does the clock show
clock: 7:19
